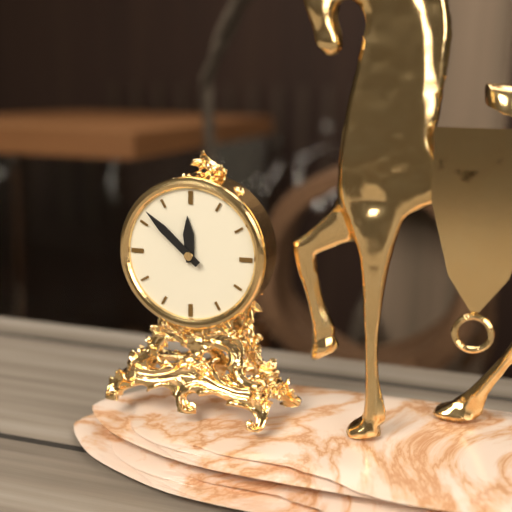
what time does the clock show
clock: 11:52
